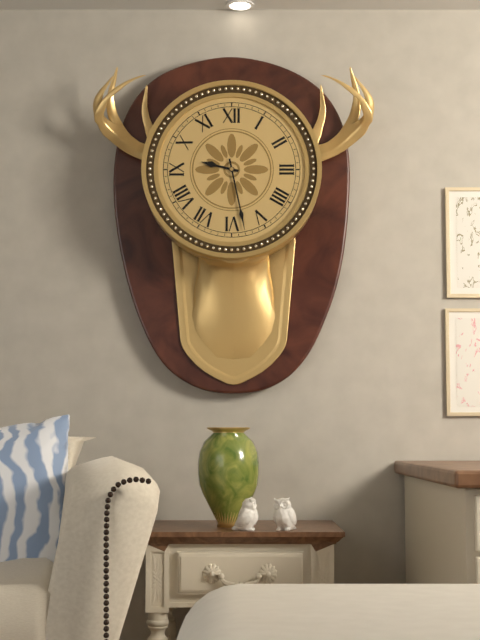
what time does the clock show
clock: 9:28
